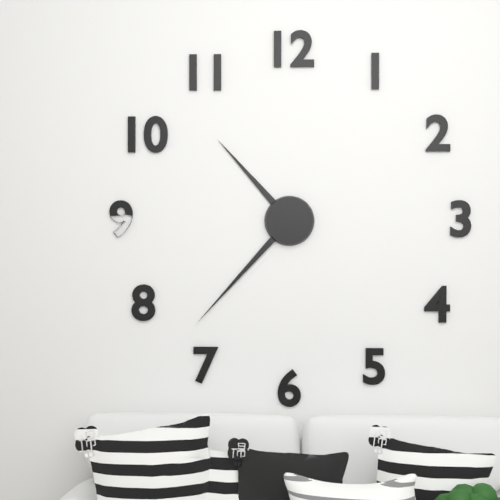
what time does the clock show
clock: 10:37
